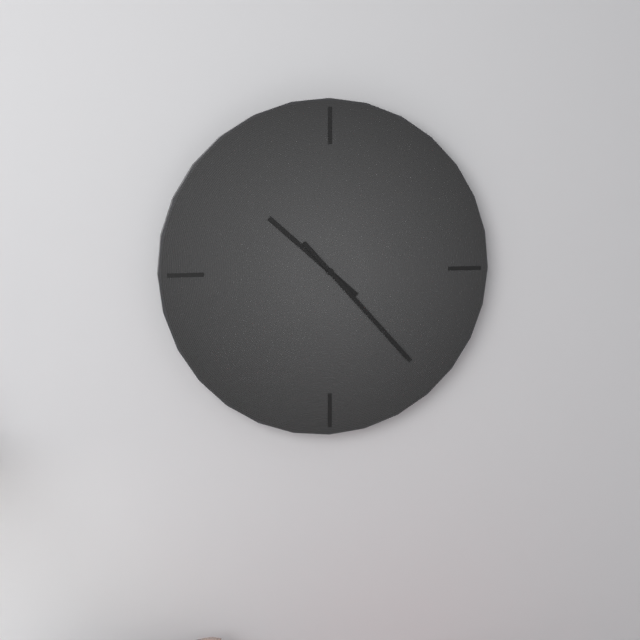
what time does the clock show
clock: 10:23
